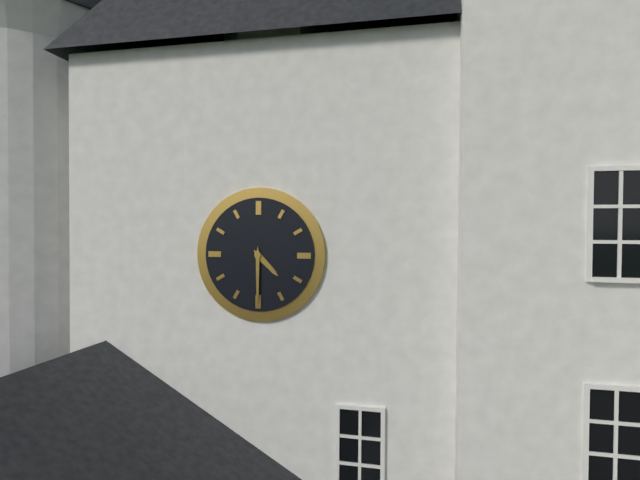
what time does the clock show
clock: 4:30
